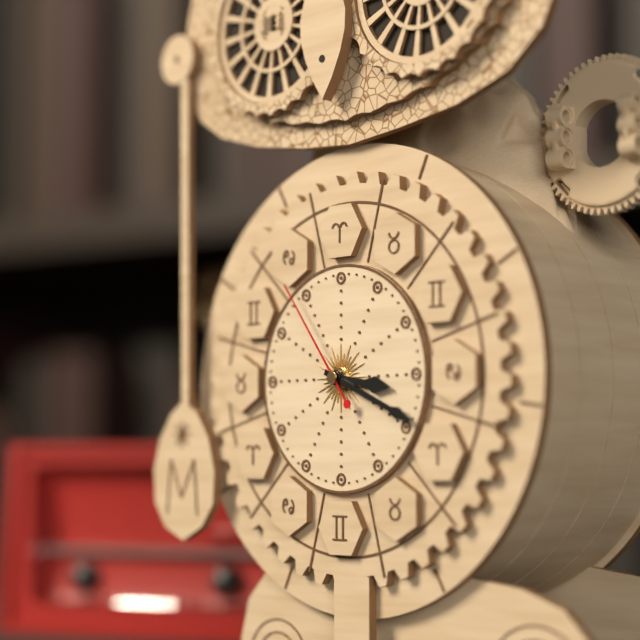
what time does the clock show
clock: 3:19:54
